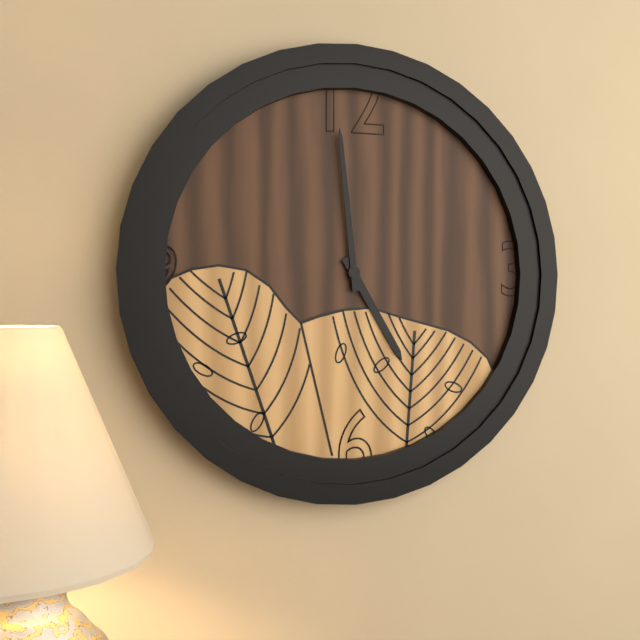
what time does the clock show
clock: 4:59
